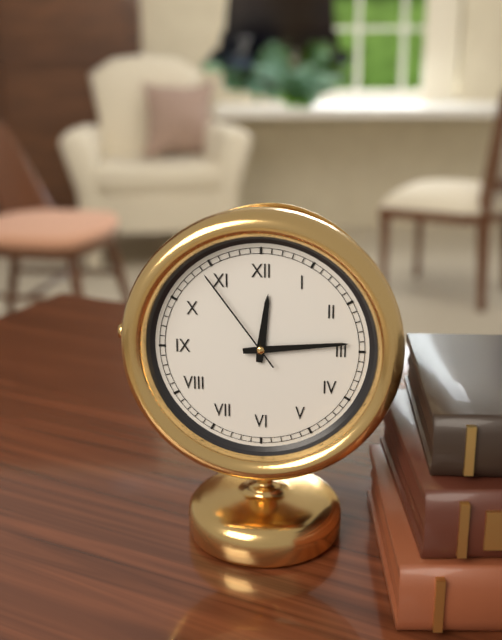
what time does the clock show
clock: 12:14:54
